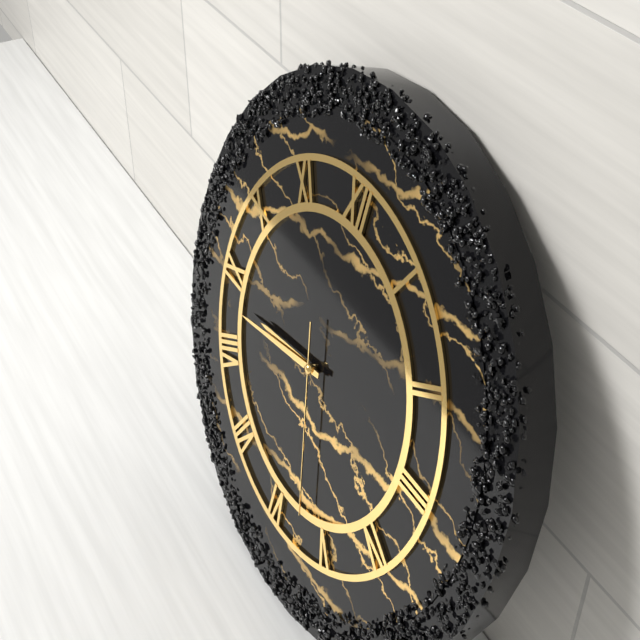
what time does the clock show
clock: 8:43:27
